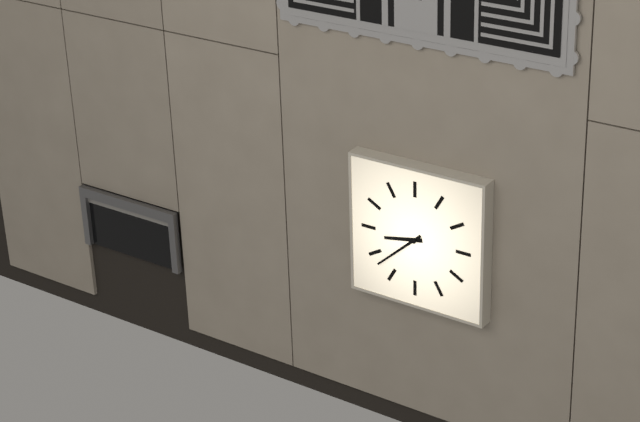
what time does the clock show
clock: 8:38
